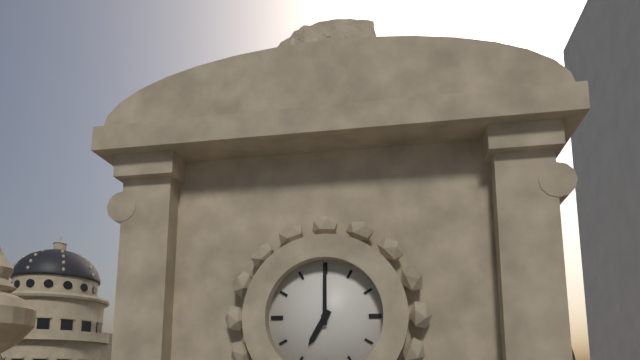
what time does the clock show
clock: 7:00
